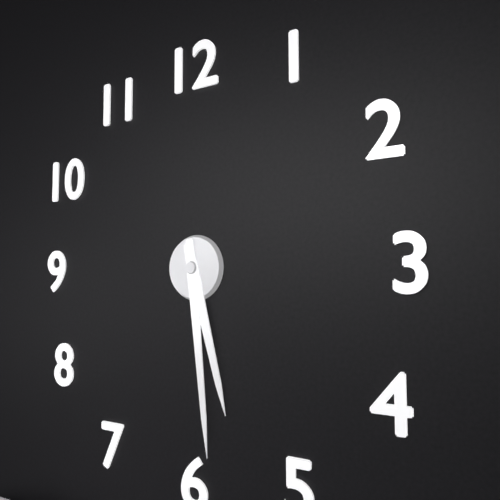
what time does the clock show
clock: 5:29
